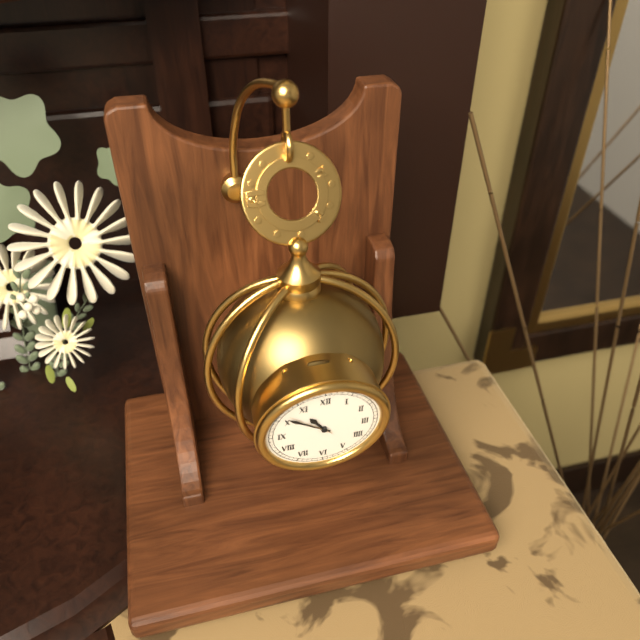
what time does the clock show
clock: 10:51
